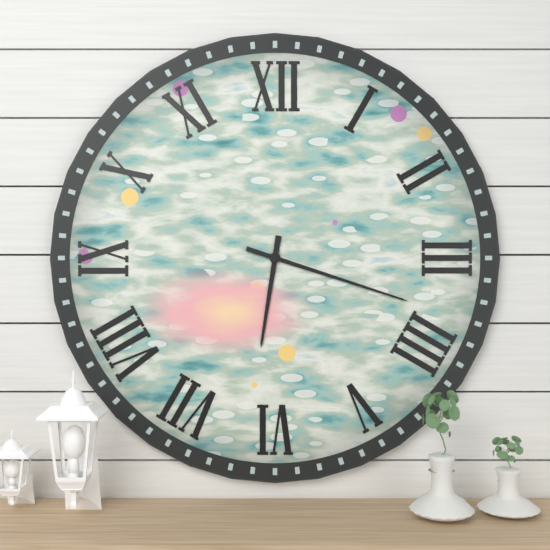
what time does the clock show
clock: 6:18
